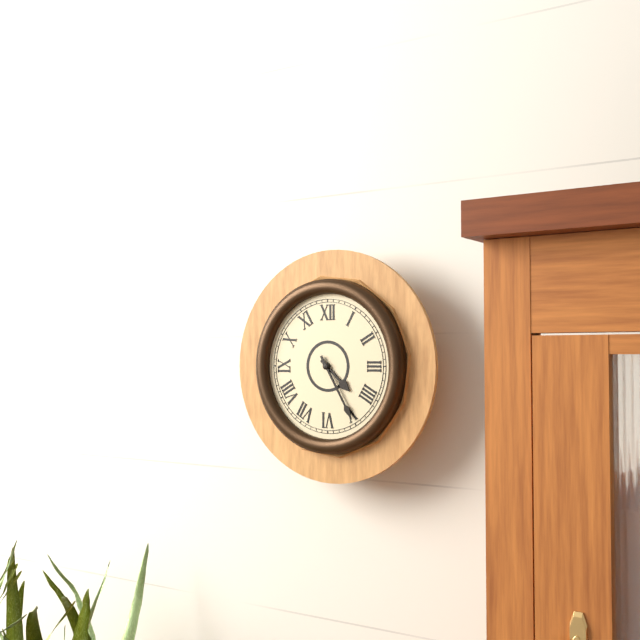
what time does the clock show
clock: 4:25
